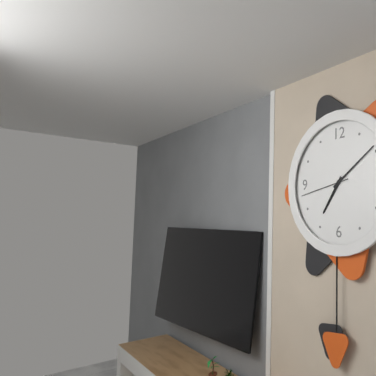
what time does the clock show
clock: 7:09
